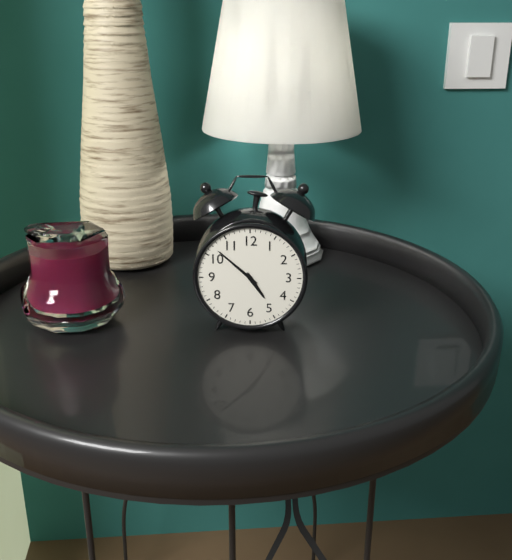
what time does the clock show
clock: 4:52
